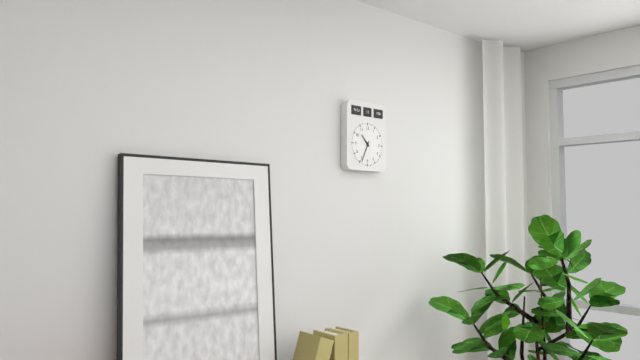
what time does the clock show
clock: 10:34
